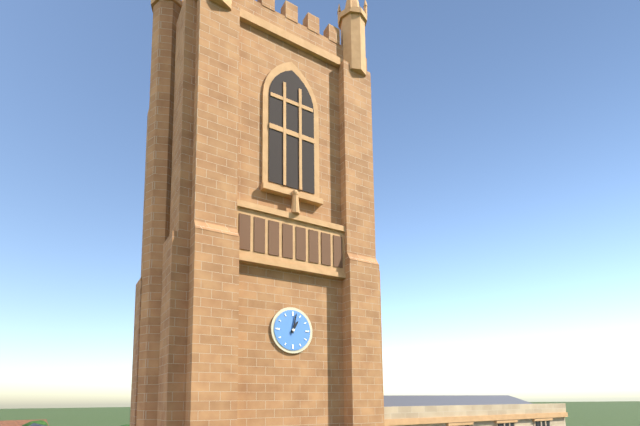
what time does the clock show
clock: 1:02
